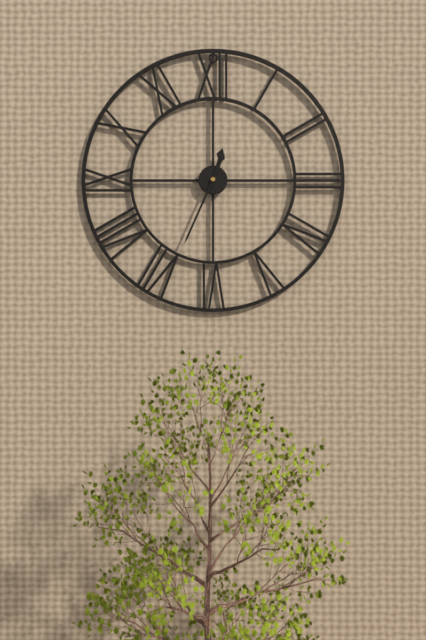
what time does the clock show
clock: 12:34
